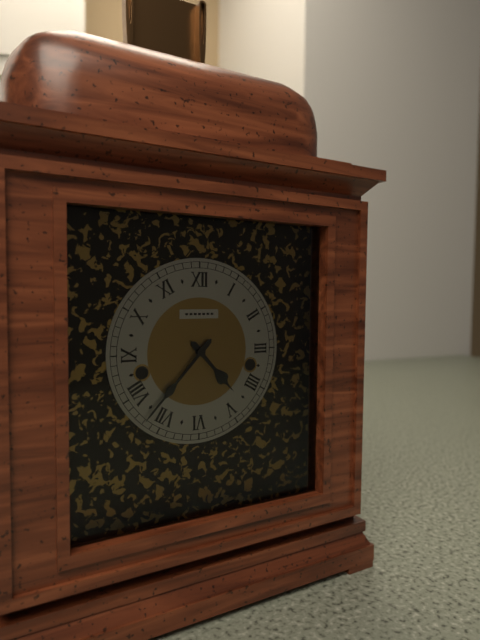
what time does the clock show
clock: 4:37
